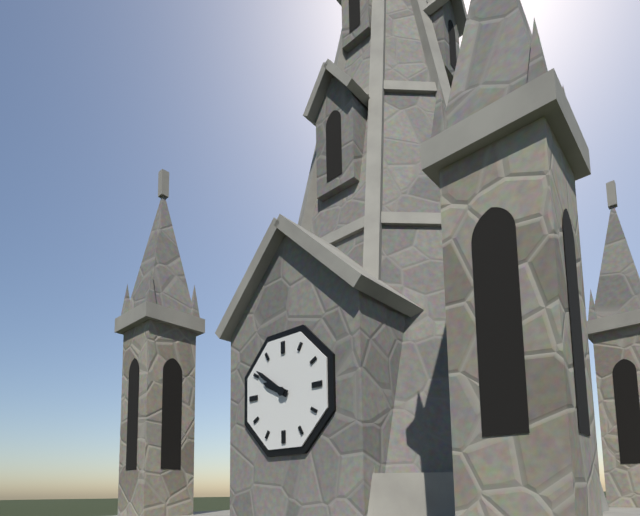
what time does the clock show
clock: 9:51
